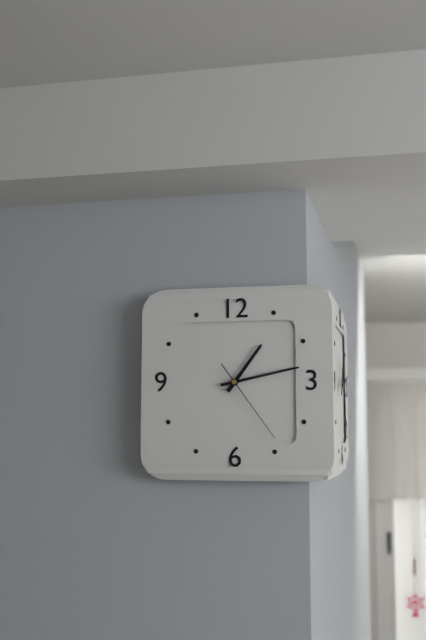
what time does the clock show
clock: 1:13:24
